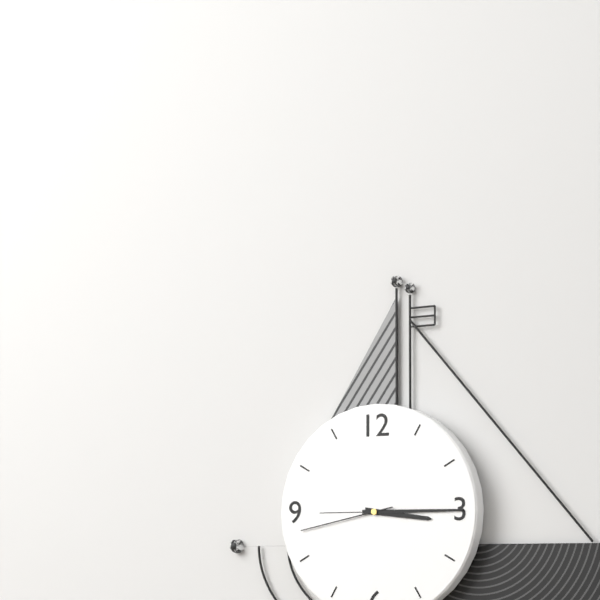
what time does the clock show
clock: 3:15:43
